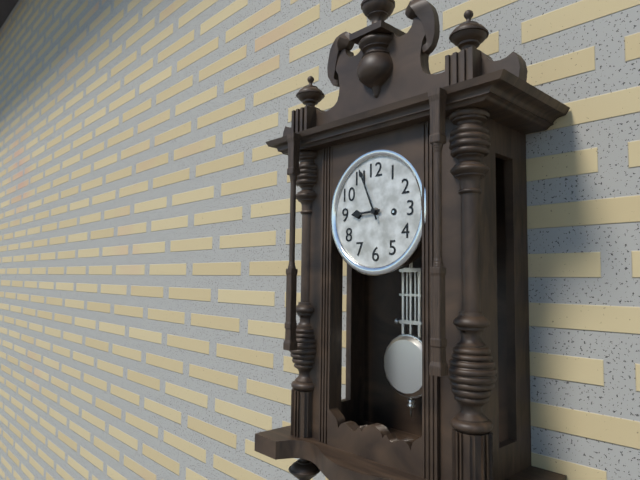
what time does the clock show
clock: 8:56
